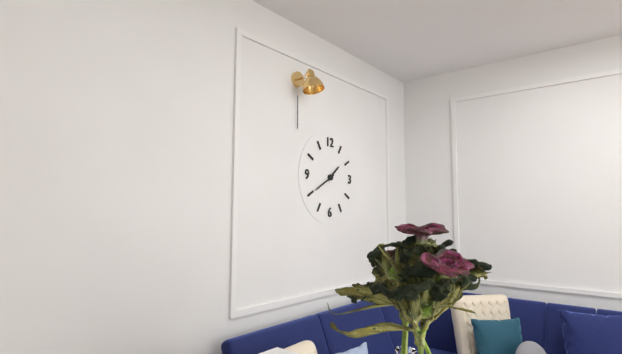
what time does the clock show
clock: 1:40
